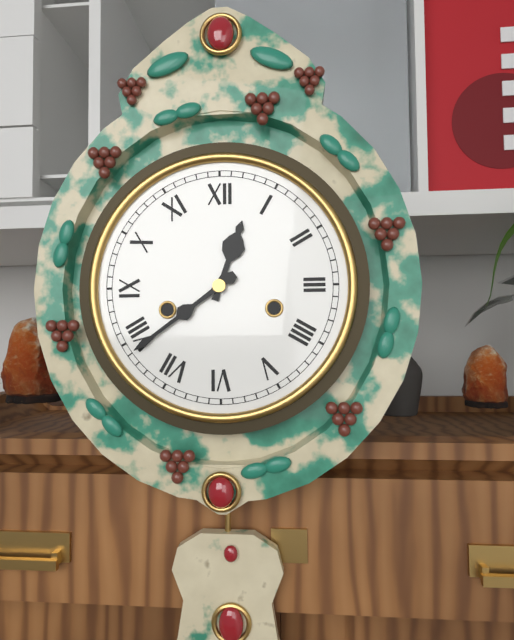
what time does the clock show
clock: 12:39
